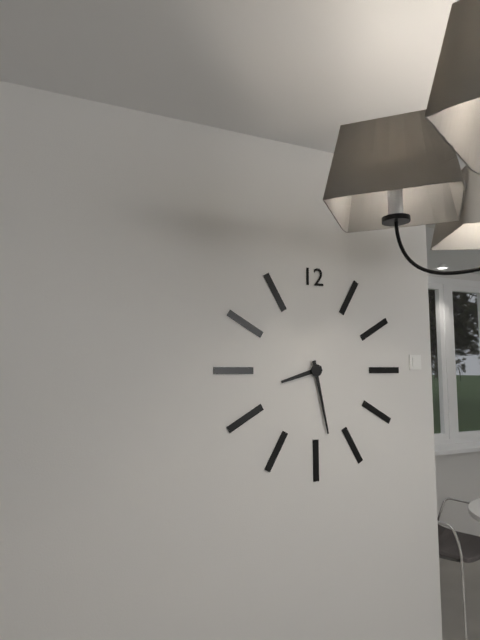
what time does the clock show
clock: 8:28
